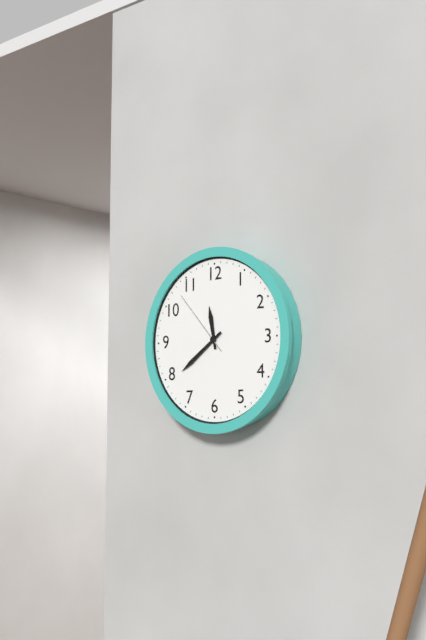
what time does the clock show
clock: 11:39:53
